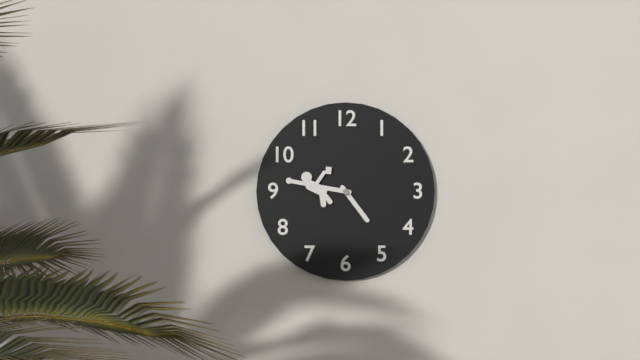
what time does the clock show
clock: 4:46
